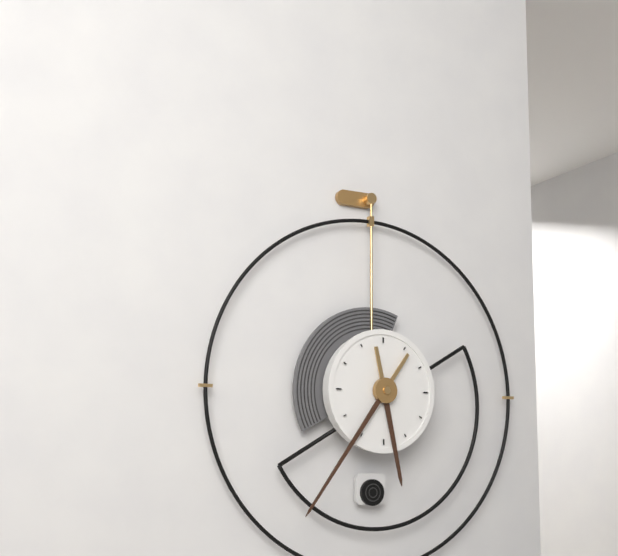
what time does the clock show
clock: 5:36
